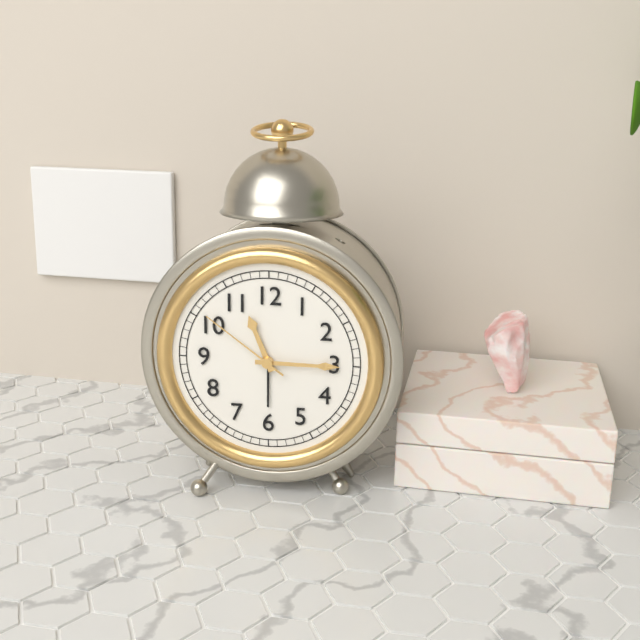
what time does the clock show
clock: 11:15:51
